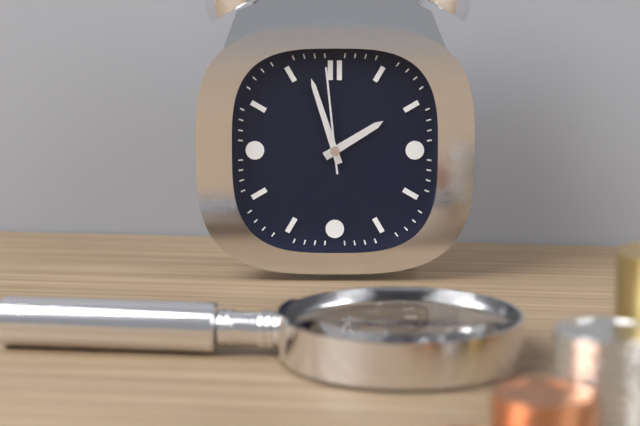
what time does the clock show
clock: 1:57:59
